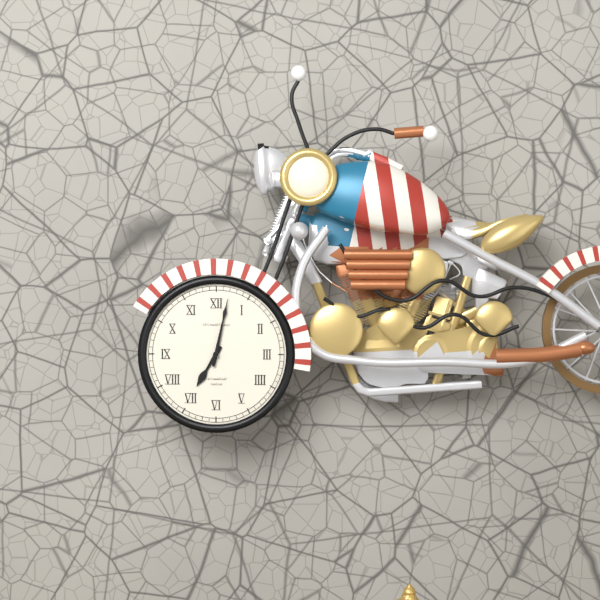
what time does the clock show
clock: 7:02
